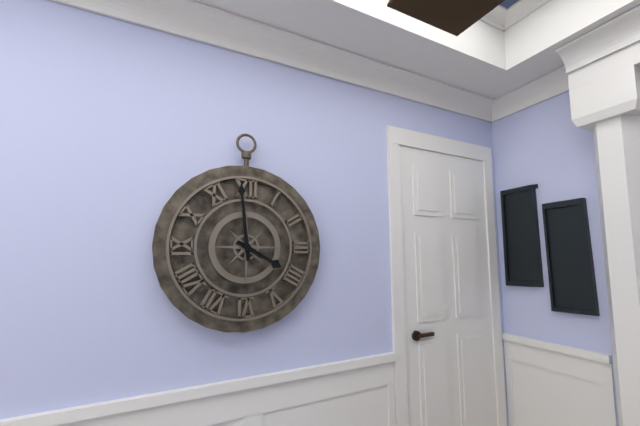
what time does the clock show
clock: 3:59
